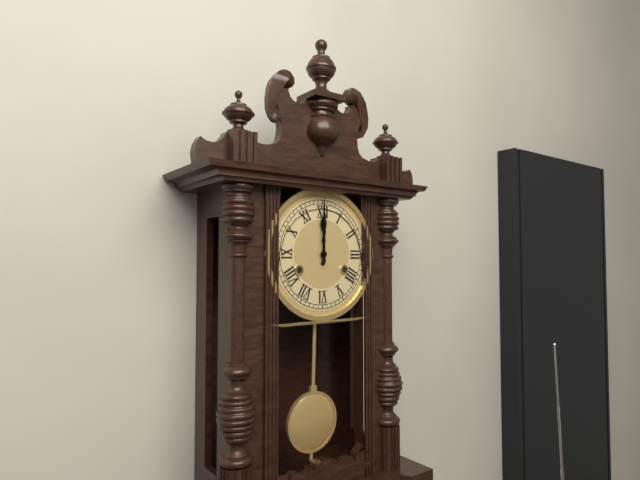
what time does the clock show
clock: 12:00
